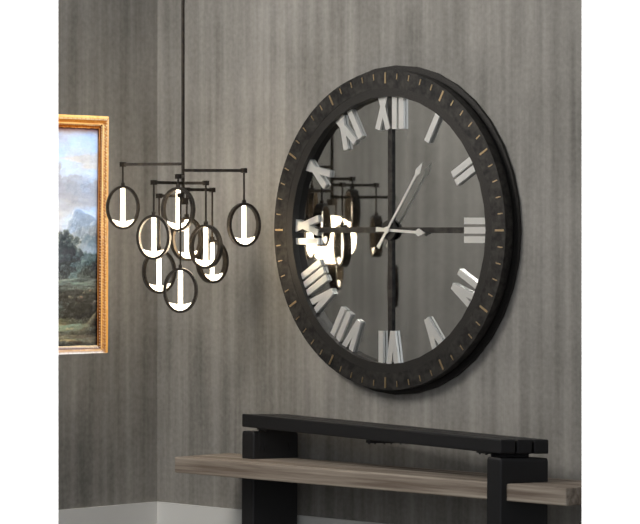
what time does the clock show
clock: 3:06
